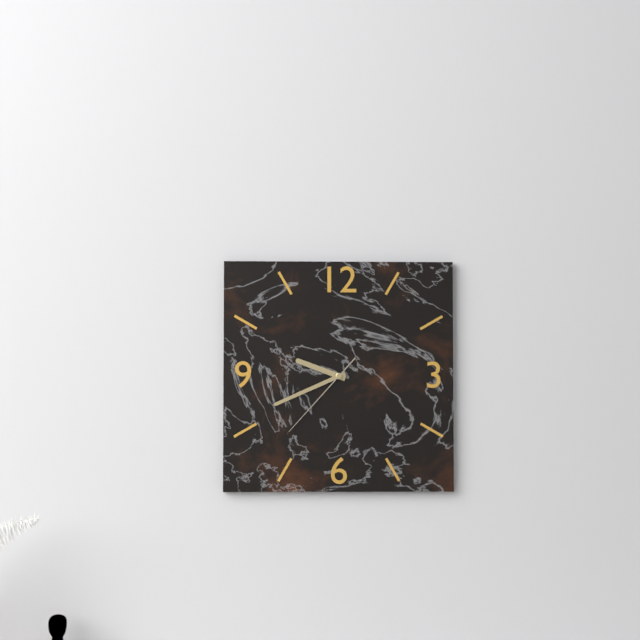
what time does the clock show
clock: 9:41:37
